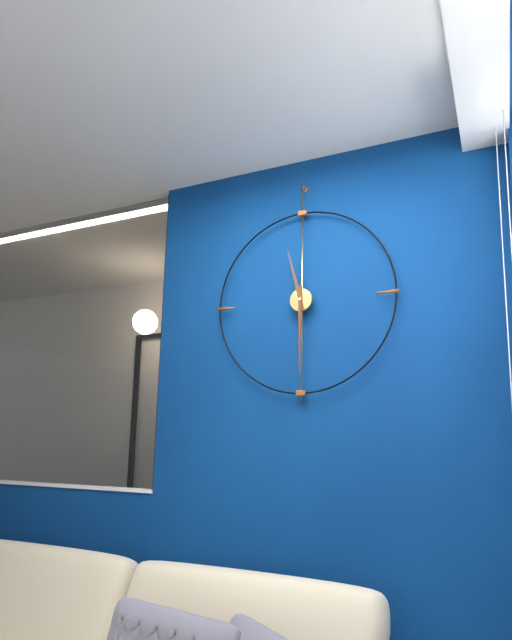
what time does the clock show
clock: 11:30
